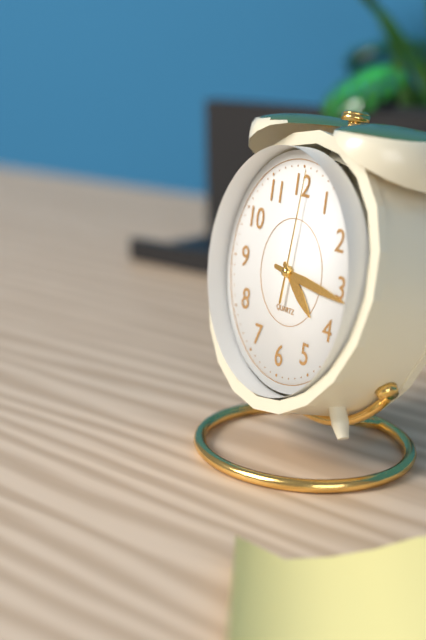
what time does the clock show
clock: 4:16:01
